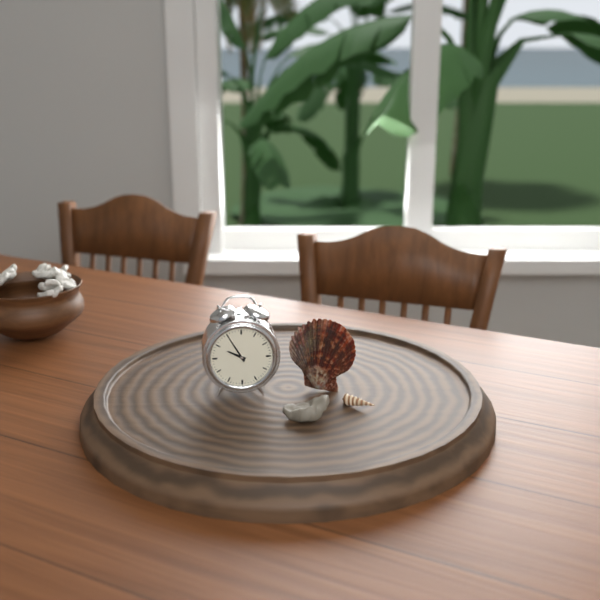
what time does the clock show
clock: 9:55
